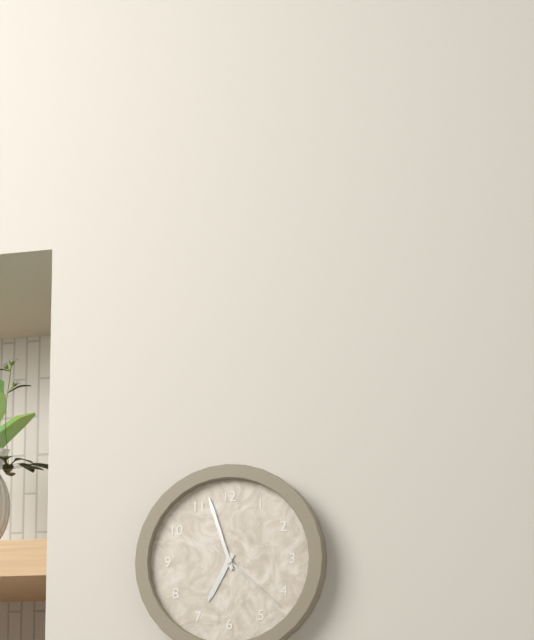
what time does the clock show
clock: 6:57:22
